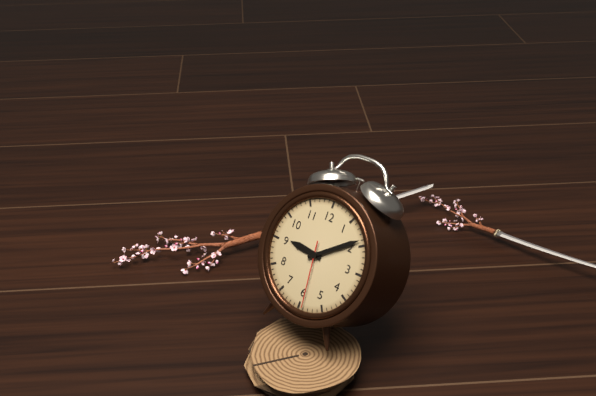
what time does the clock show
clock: 9:09:29
